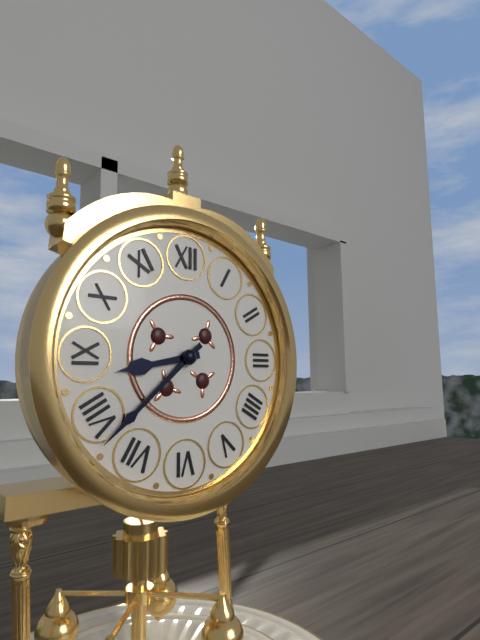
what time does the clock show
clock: 8:38
